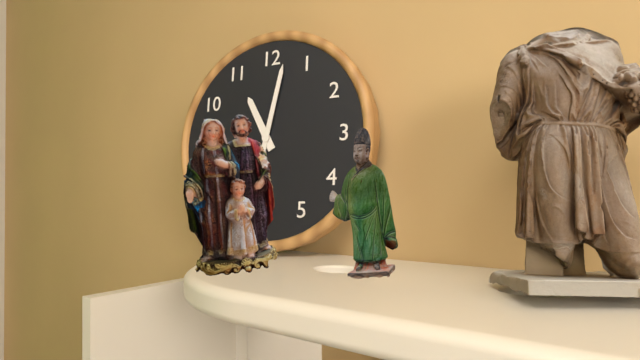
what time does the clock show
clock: 11:02
